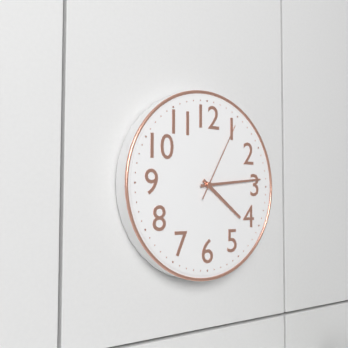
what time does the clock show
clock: 4:14:05
